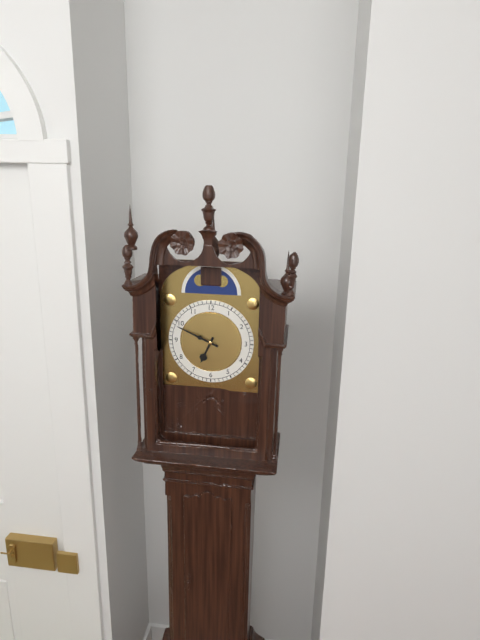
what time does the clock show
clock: 6:49
